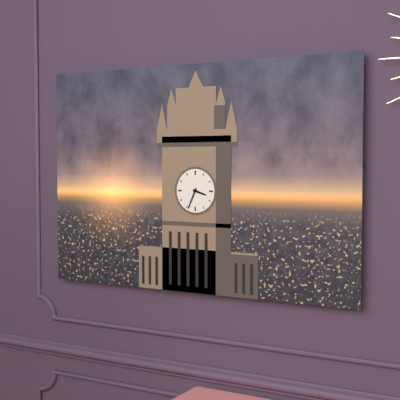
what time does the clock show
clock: 3:34
